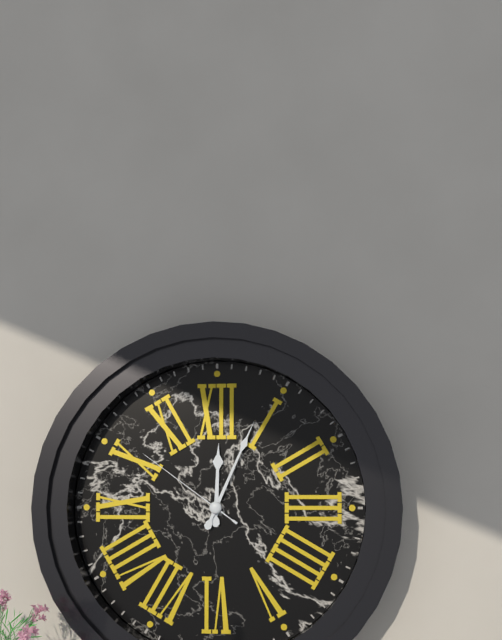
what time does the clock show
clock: 12:04:51
